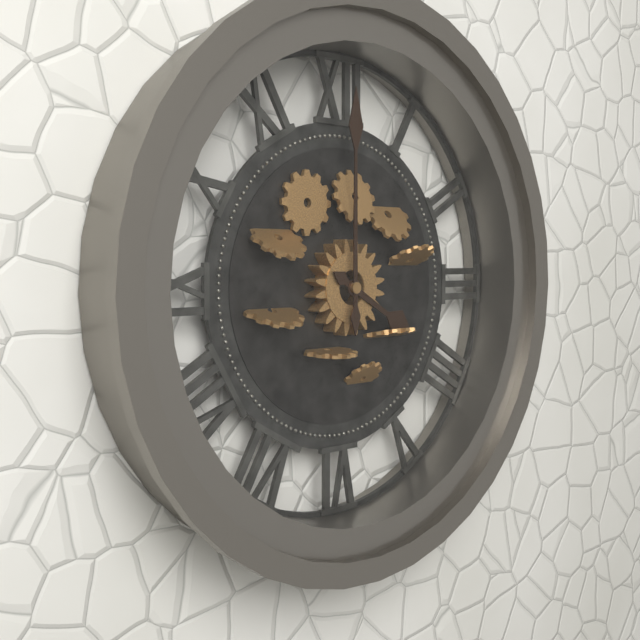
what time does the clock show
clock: 4:00
